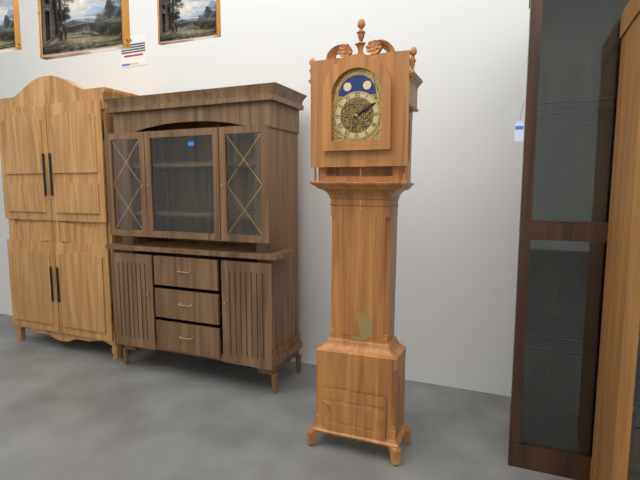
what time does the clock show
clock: 2:10
